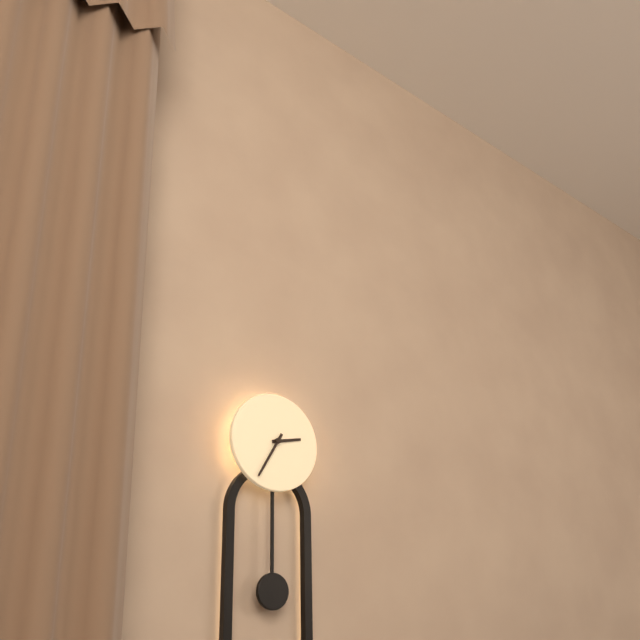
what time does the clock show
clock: 2:35
